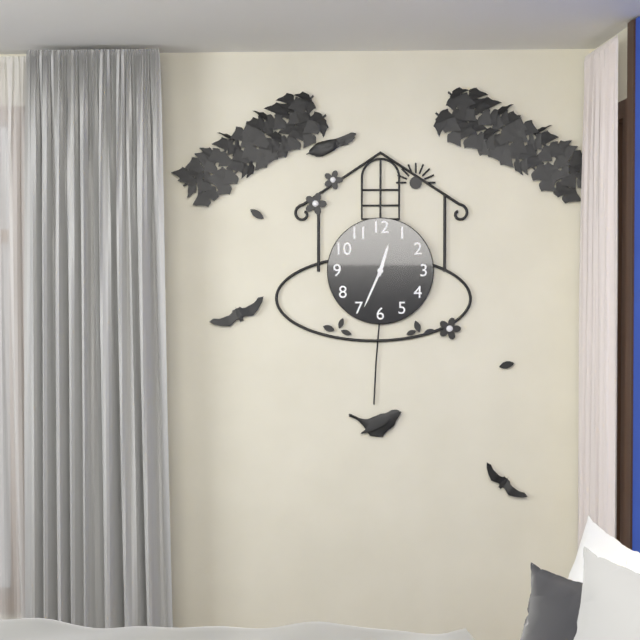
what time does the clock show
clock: 12:34
